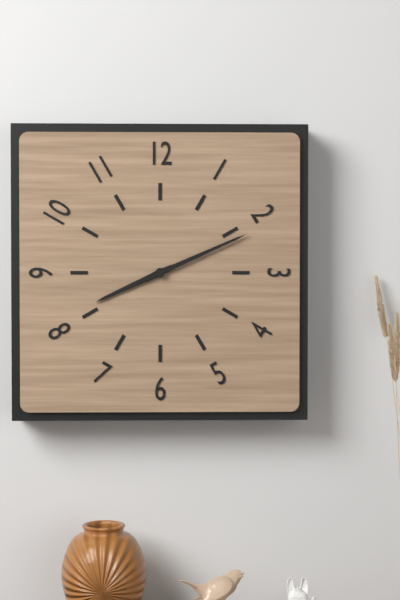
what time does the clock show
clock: 8:11
